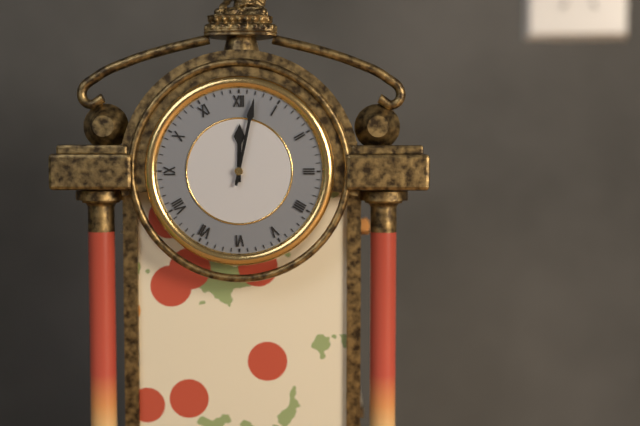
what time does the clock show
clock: 12:02
